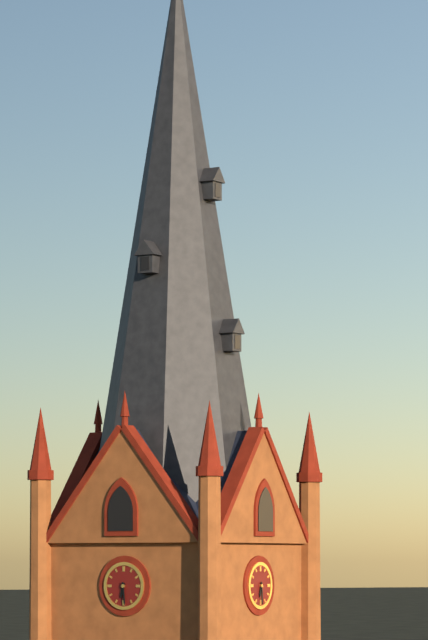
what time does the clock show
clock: 6:29
